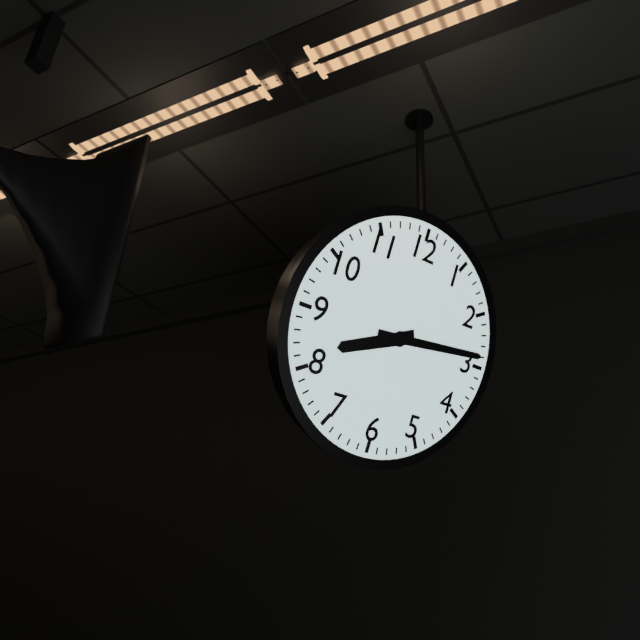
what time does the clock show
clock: 8:14
